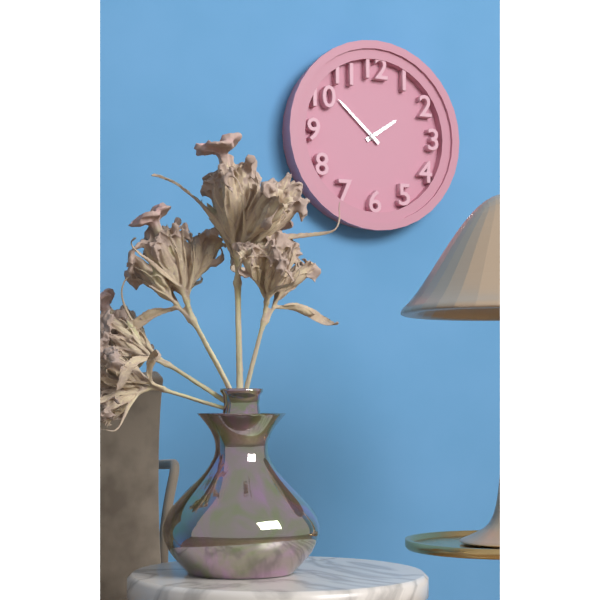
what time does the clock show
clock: 1:52
